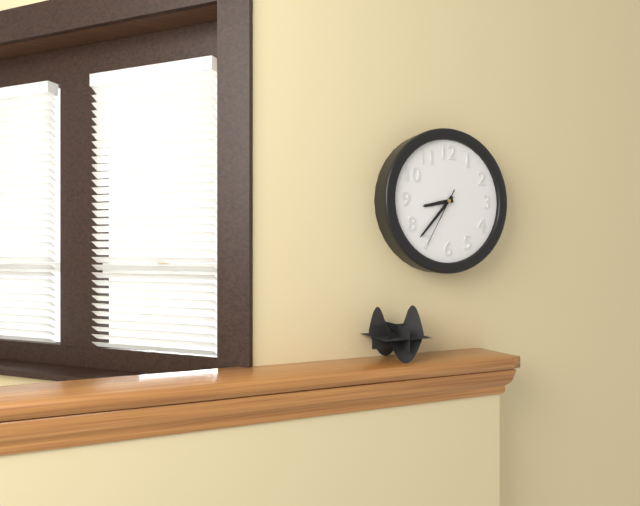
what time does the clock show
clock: 8:37:35
